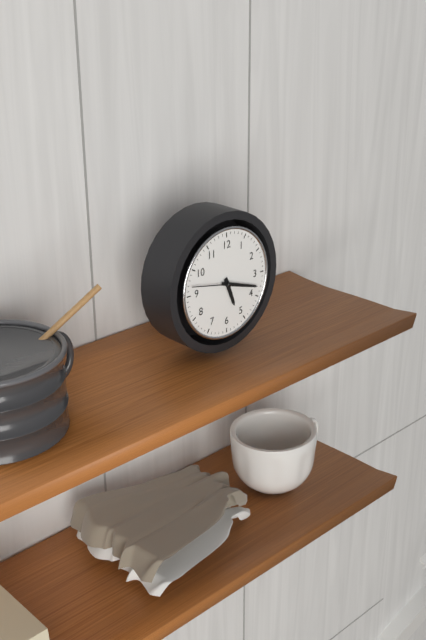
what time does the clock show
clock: 5:18
